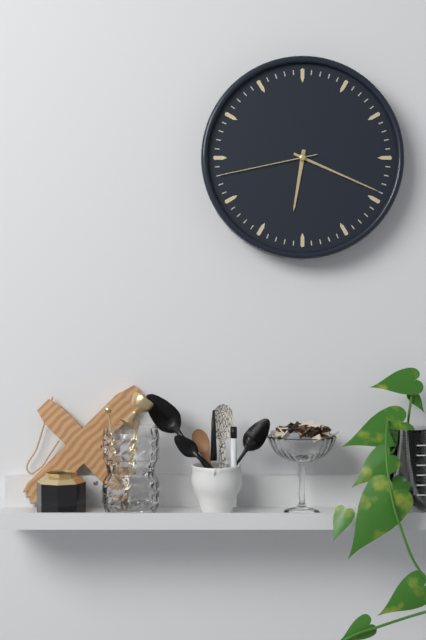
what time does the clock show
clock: 6:19:43
